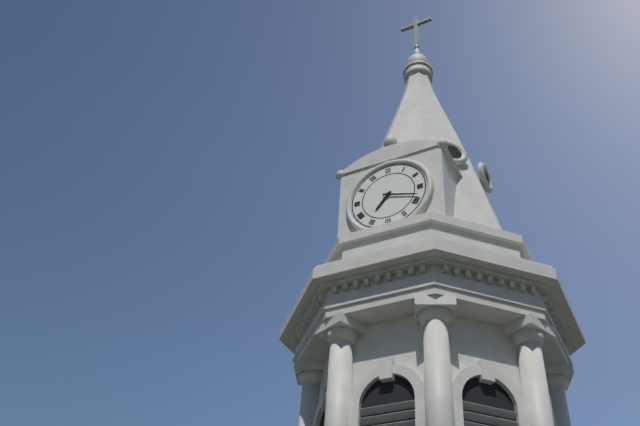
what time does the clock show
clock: 7:18
